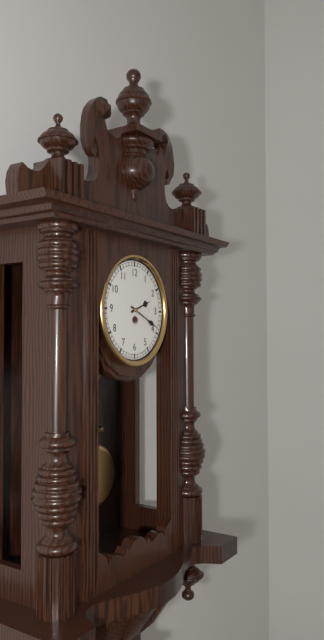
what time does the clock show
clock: 2:19
